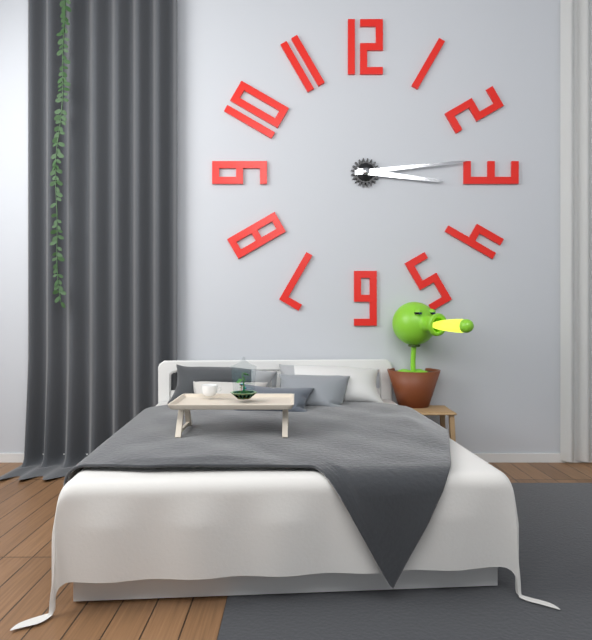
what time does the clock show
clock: 3:14
